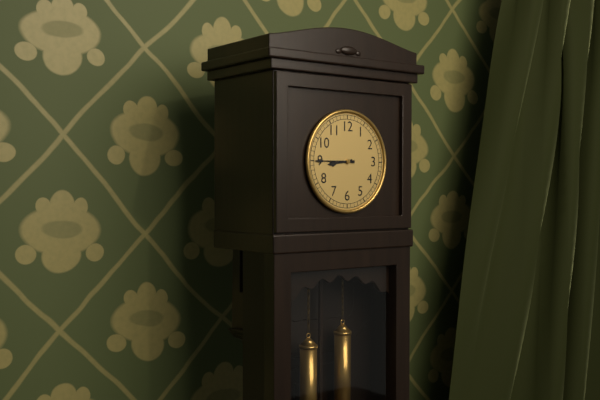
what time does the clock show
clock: 8:45
